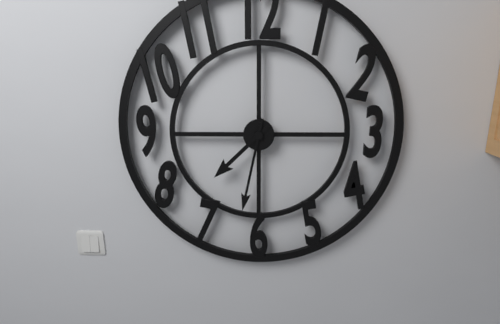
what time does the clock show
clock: 7:32
